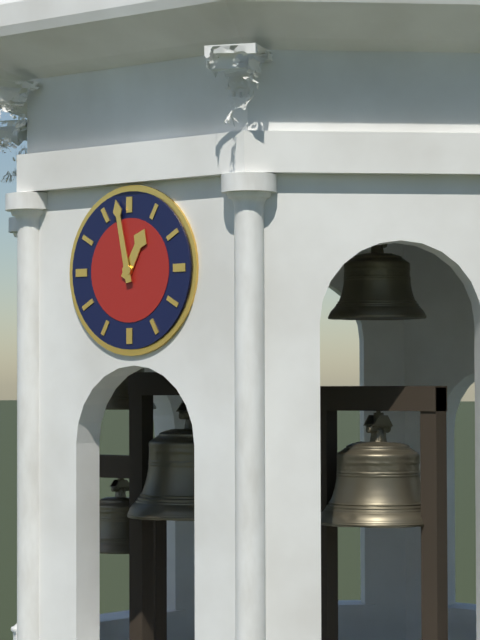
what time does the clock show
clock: 12:58
